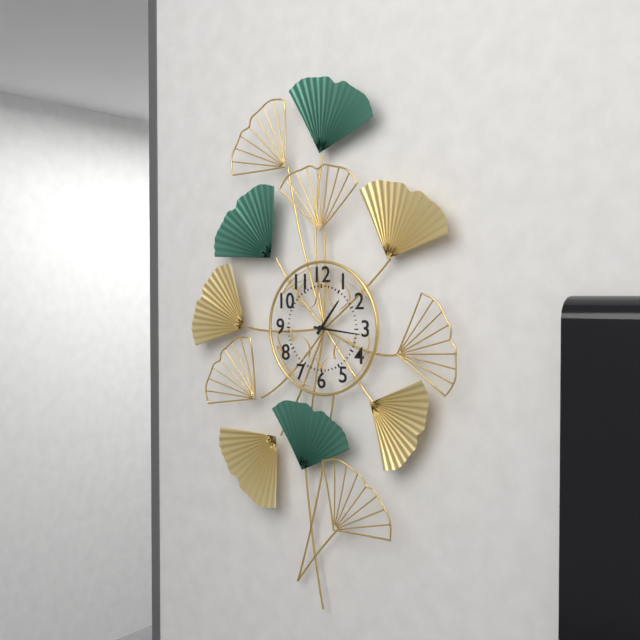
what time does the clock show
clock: 1:16
